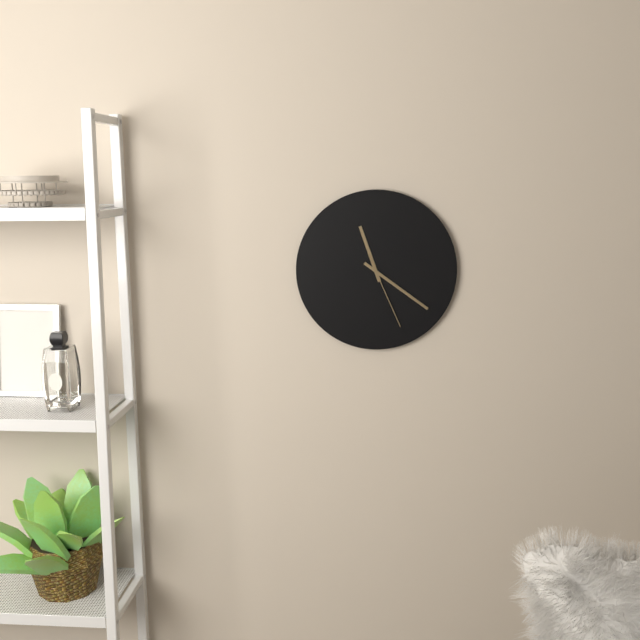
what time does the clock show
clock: 11:21:26
